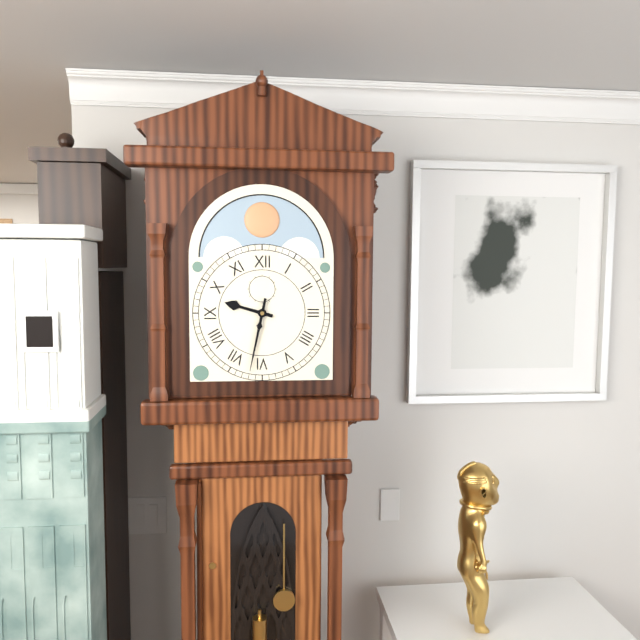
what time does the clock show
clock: 9:32
